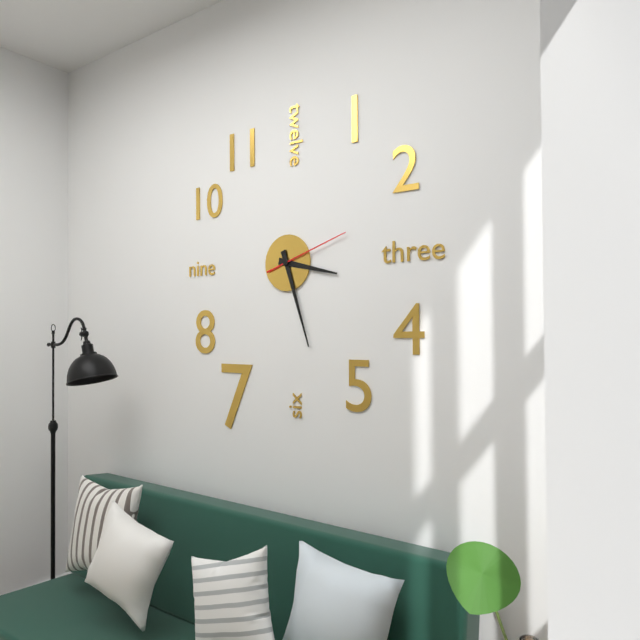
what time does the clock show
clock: 3:27:12
